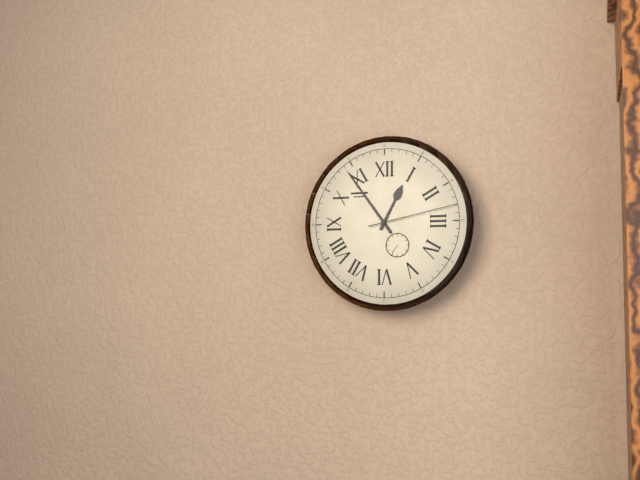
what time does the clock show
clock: 12:54:13
